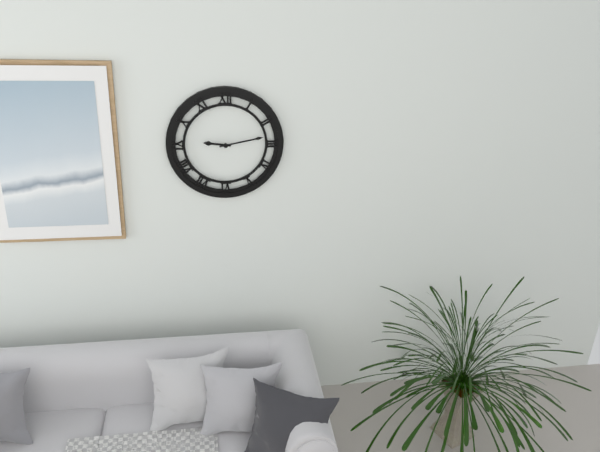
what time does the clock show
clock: 9:13
